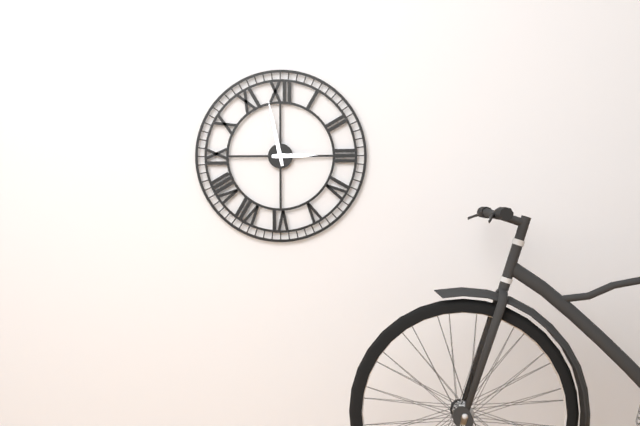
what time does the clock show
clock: 2:58
